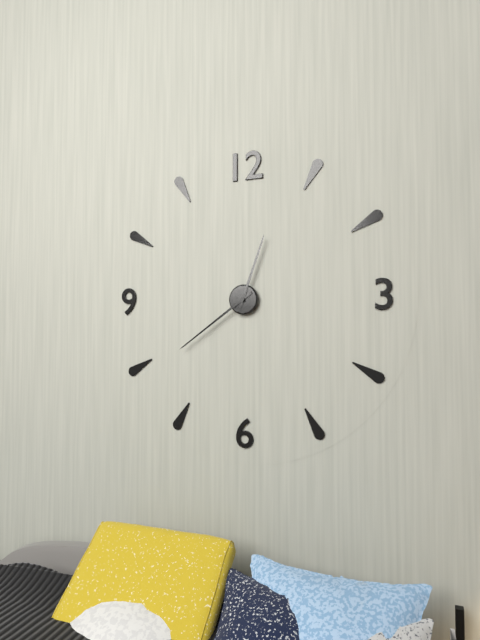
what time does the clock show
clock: 12:39
